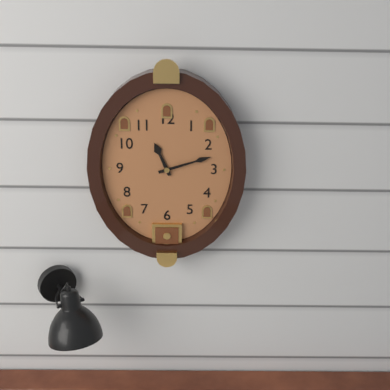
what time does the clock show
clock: 11:12
